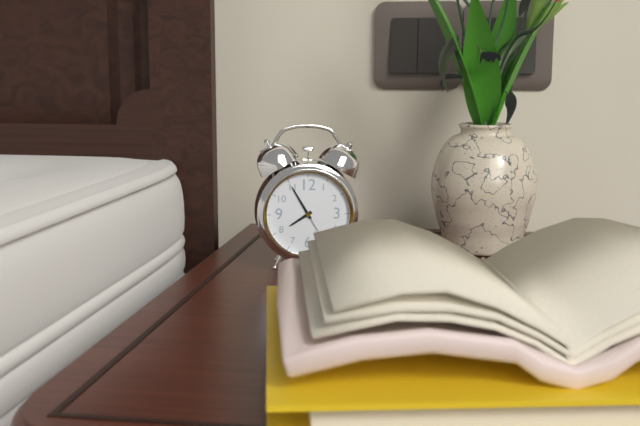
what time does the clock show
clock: 7:55
